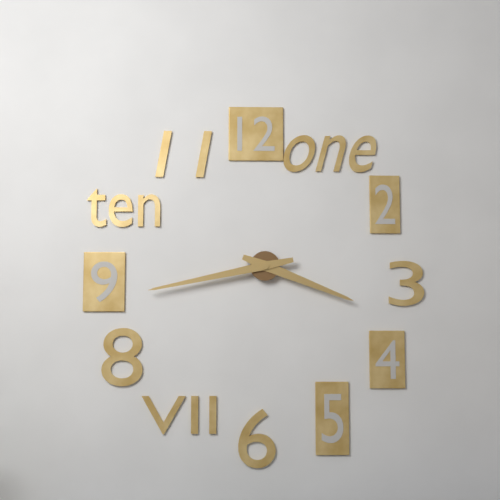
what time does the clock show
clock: 3:43
